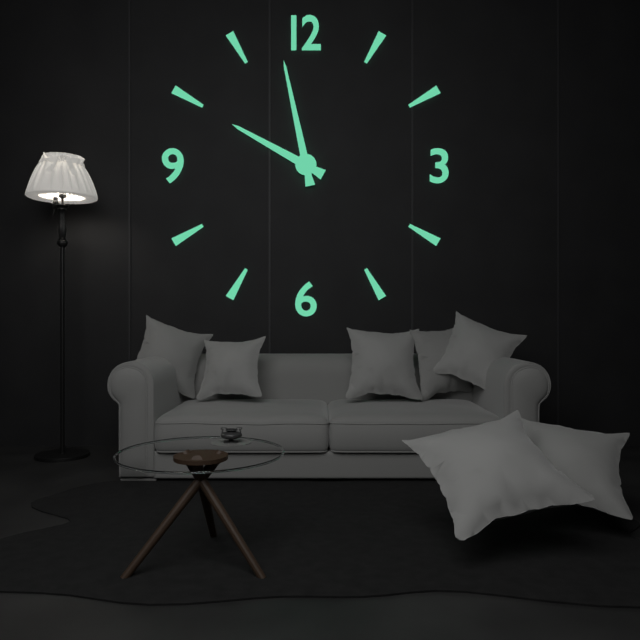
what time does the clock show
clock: 9:58
